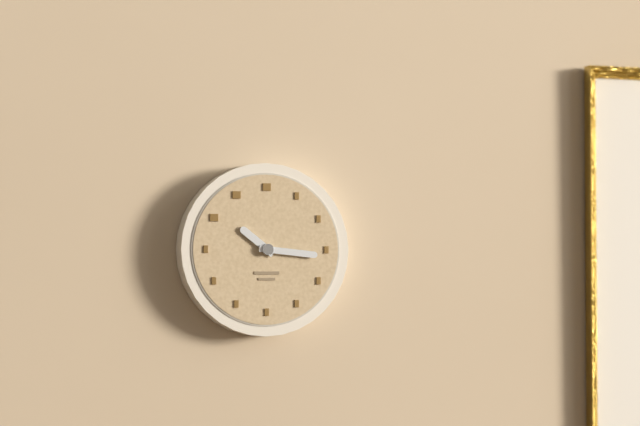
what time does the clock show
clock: 10:16
